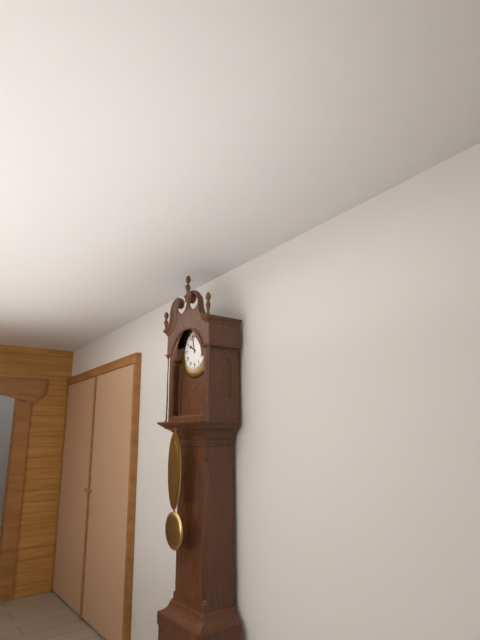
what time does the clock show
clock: 9:58
